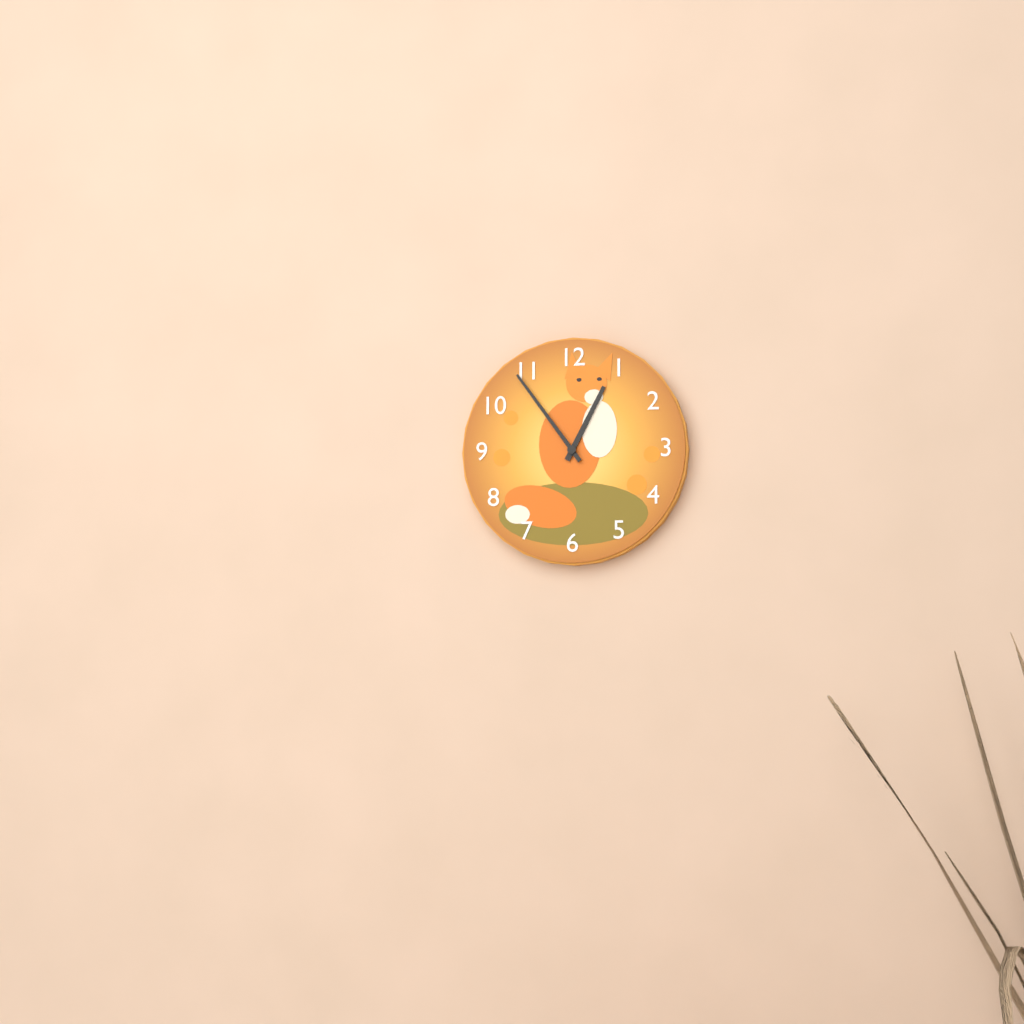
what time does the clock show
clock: 12:54
